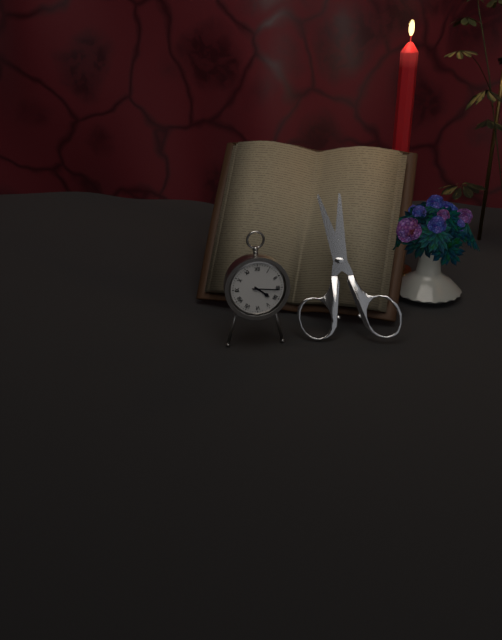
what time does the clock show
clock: 4:16
